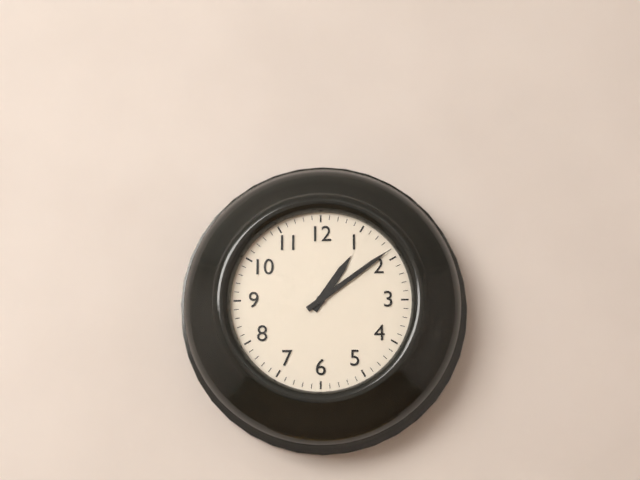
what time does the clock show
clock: 1:09
